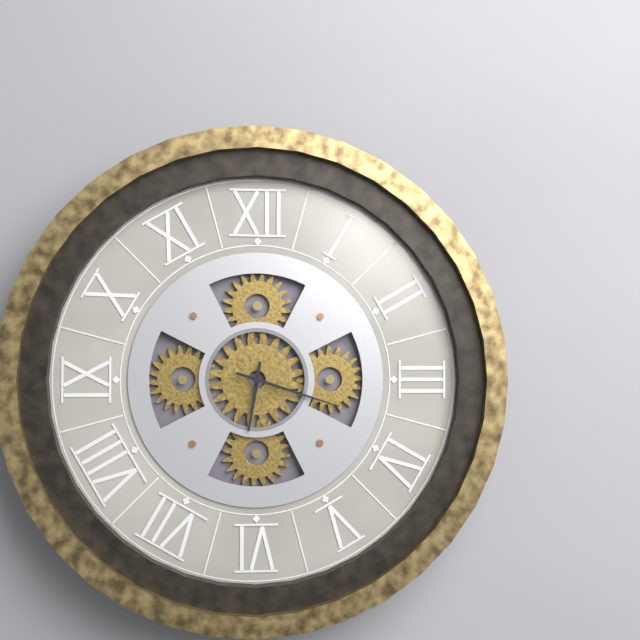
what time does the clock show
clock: 6:18
